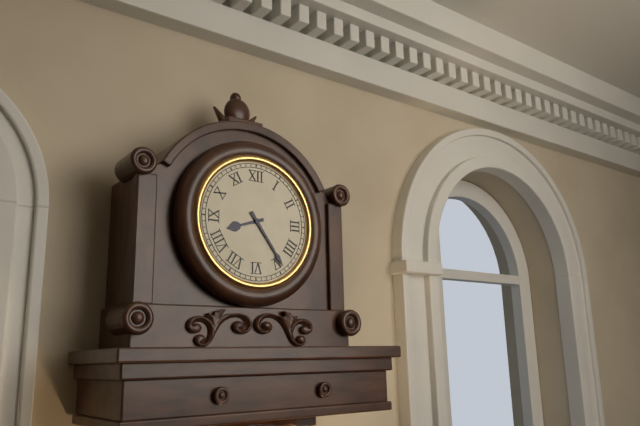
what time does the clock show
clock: 8:24
